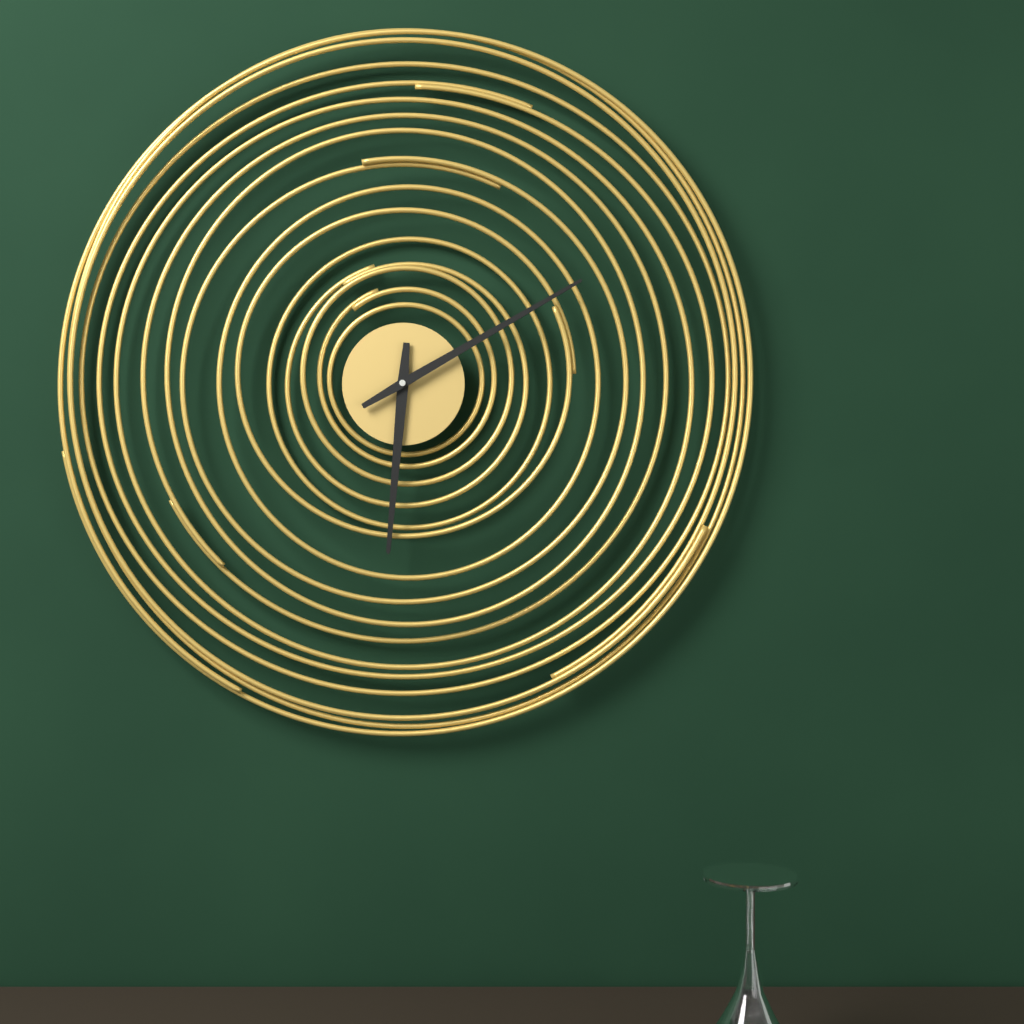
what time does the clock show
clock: 6:10
